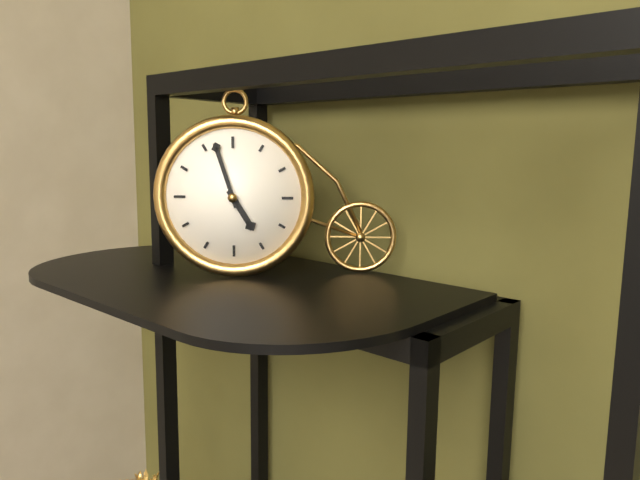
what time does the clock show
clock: 4:57
